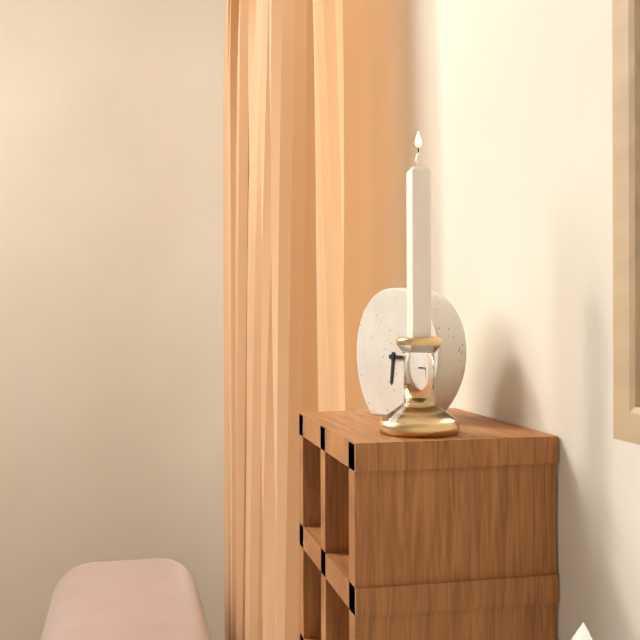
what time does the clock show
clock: 6:15
